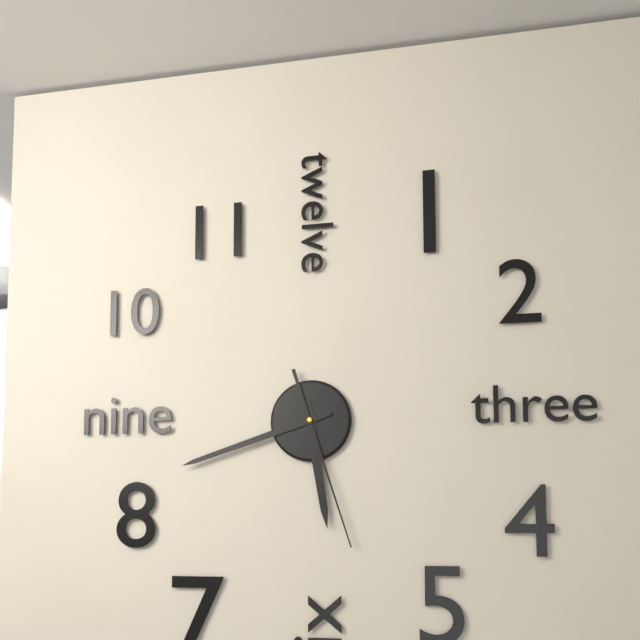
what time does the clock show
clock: 5:42:27
